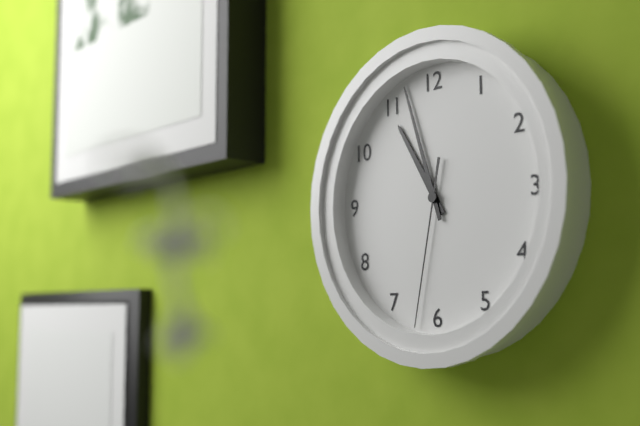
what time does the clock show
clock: 10:57:32
